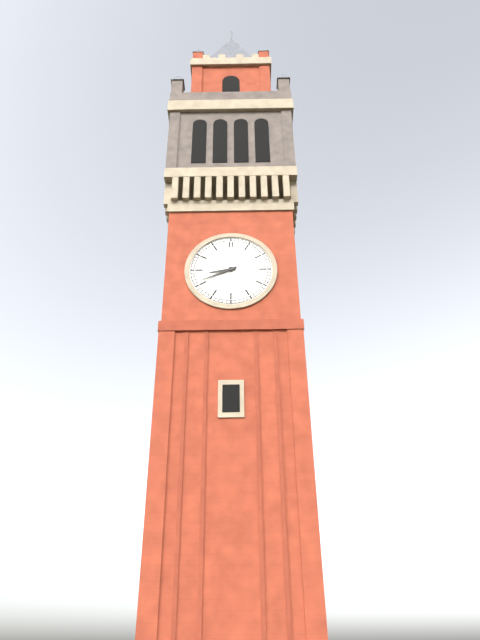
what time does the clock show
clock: 8:41
